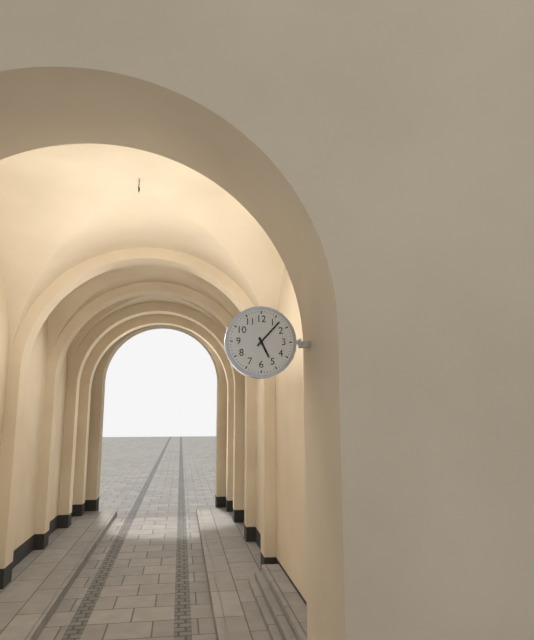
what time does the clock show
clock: 5:07
